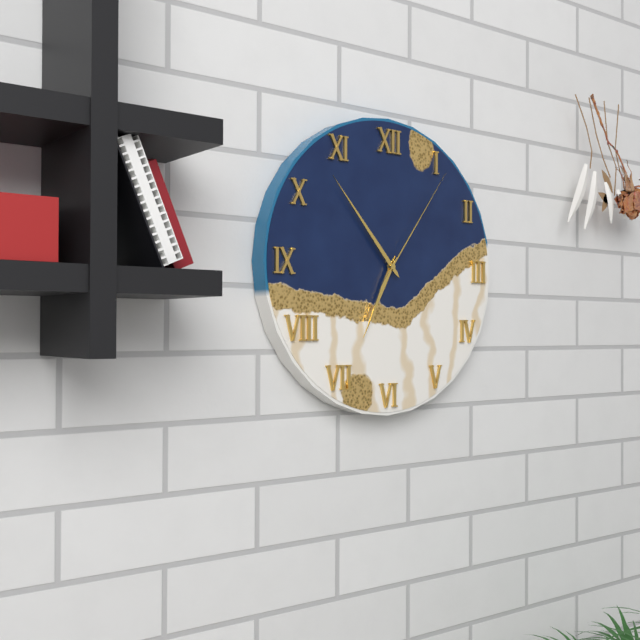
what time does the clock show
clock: 6:53:06
